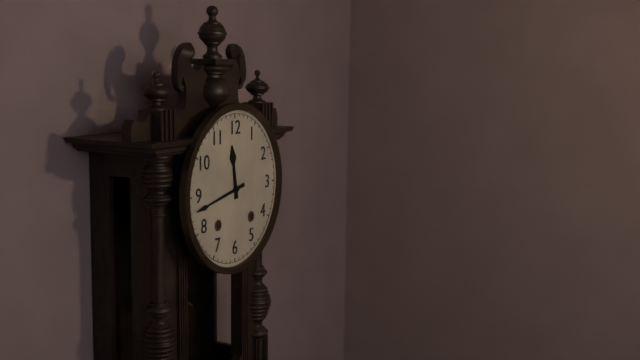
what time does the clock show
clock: 11:43
